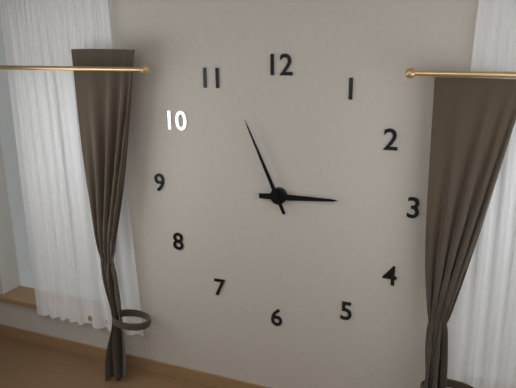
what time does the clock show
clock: 2:56
